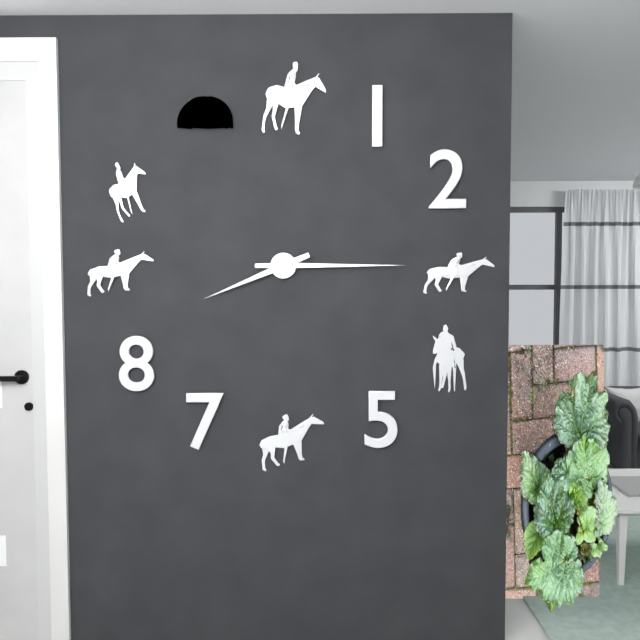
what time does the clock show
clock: 8:15
